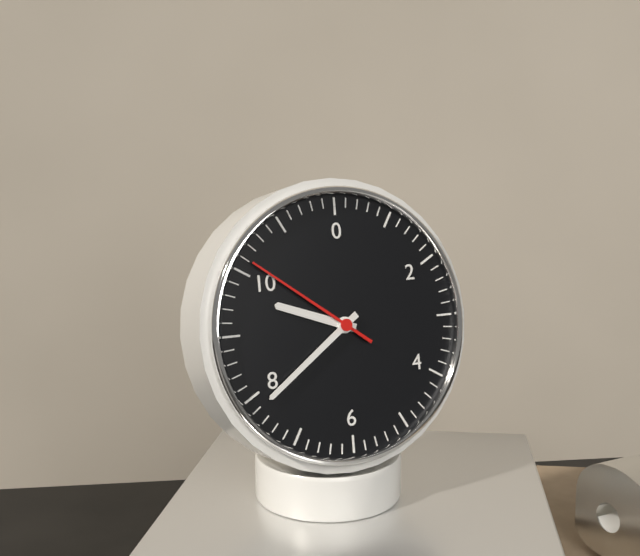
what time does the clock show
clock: 9:39:51
